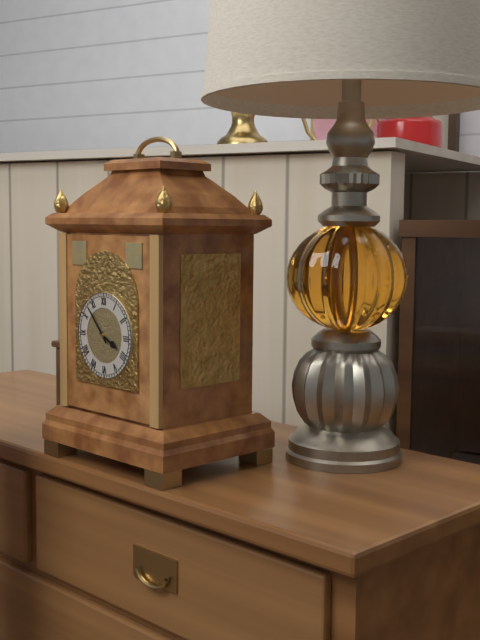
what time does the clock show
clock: 3:53
